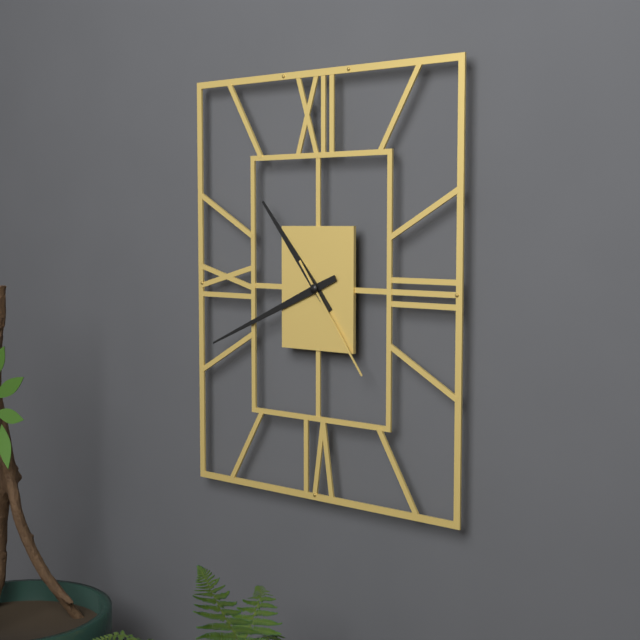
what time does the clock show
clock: 10:41:24
